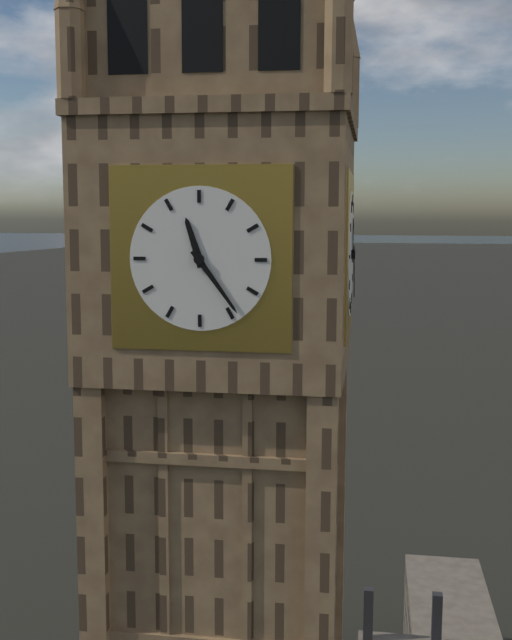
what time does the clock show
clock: 11:24
